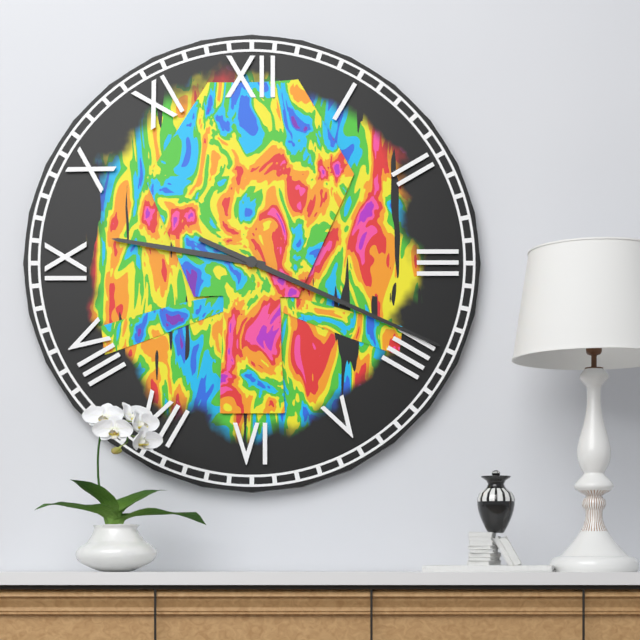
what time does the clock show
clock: 9:19
